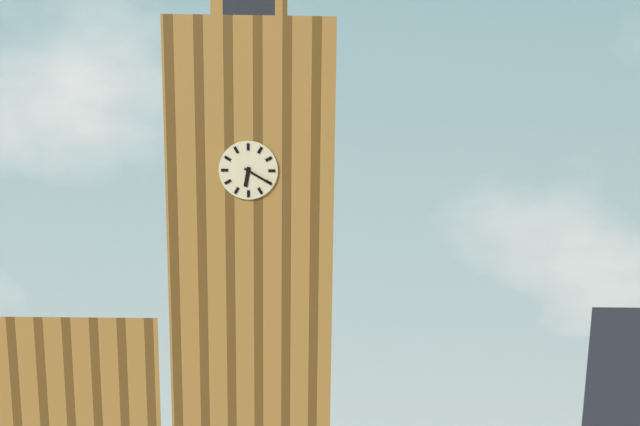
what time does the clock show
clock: 6:20
